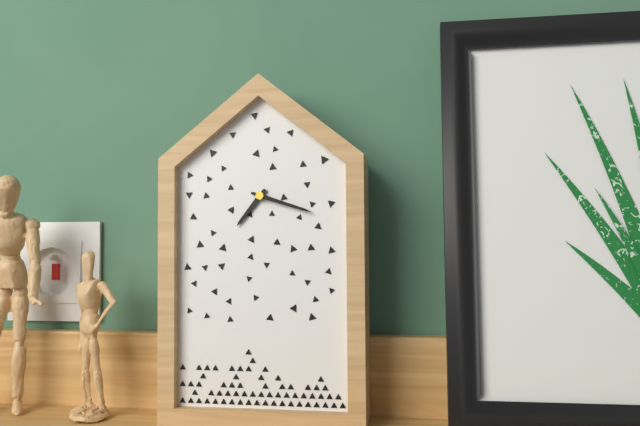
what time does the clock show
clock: 7:18
